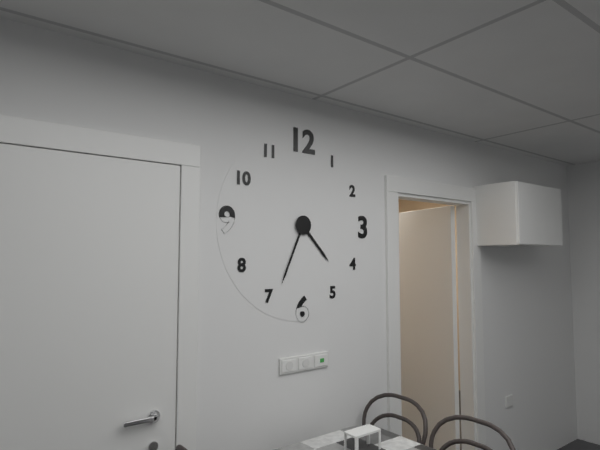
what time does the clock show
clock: 4:34
